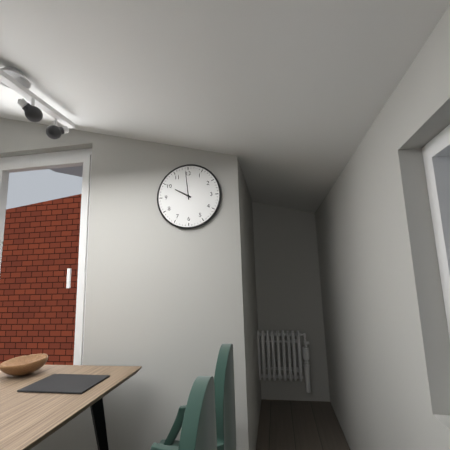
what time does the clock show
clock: 9:59
